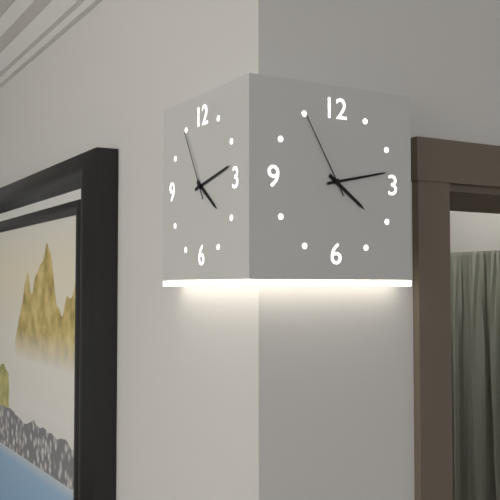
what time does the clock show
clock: 4:13:55
